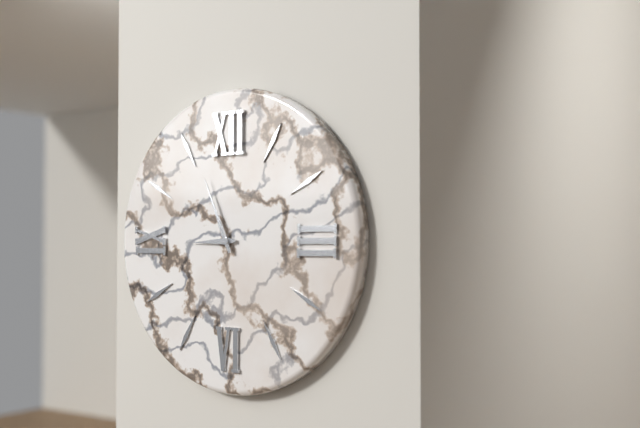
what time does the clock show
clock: 8:56
